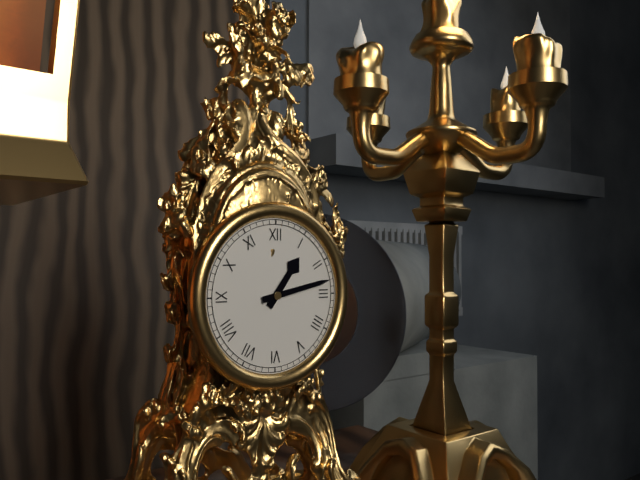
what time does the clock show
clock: 1:13
